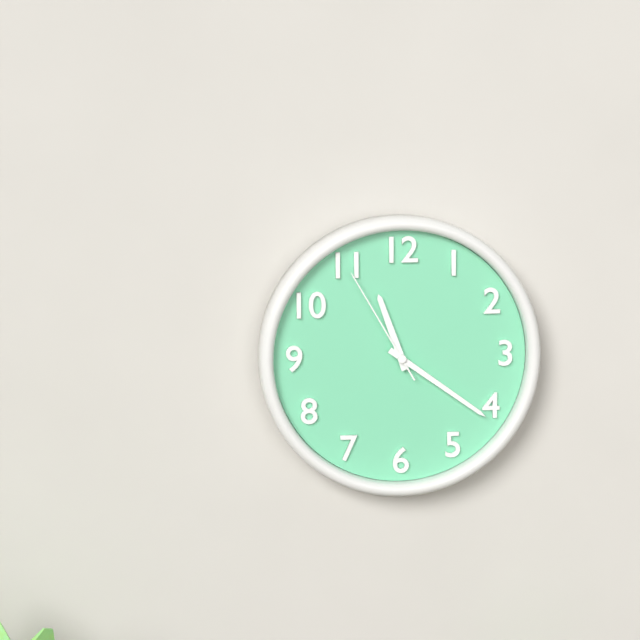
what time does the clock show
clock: 11:21:55
